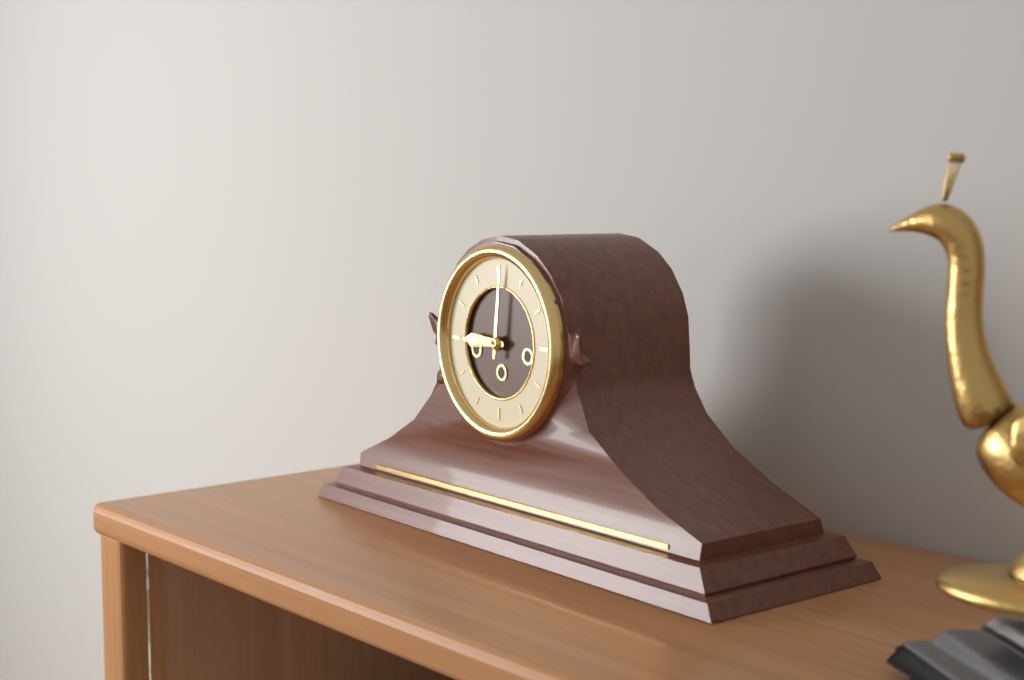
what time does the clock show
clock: 9:01
